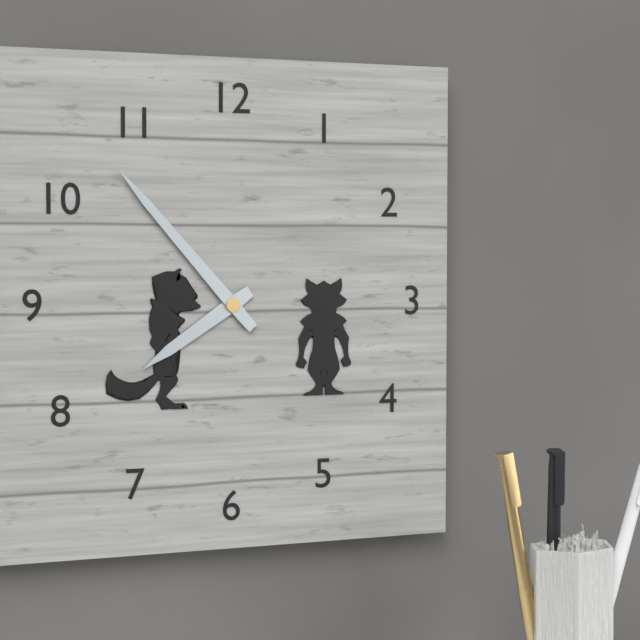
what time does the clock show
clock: 7:53
